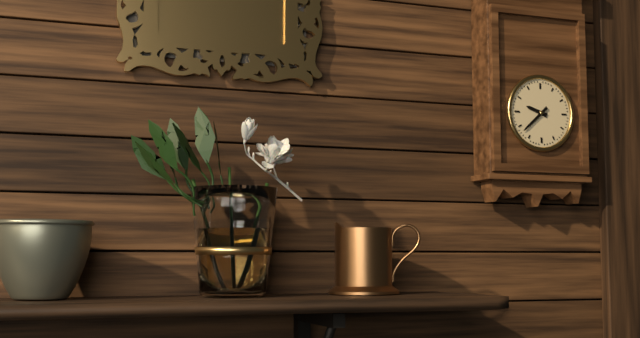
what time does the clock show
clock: 9:38
